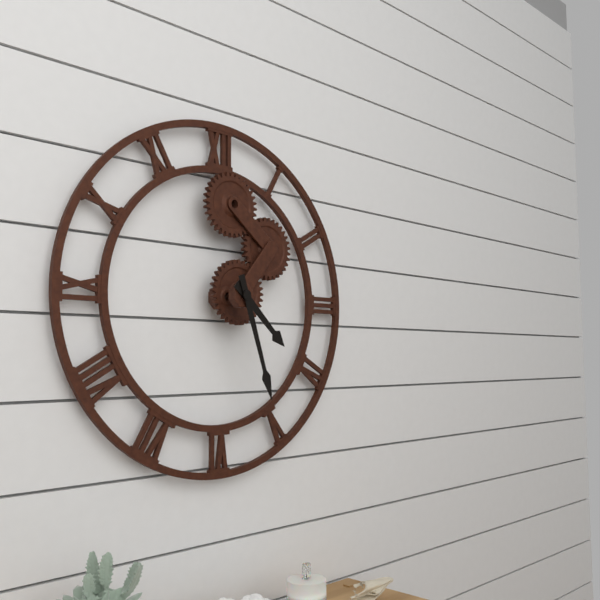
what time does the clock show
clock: 4:27
